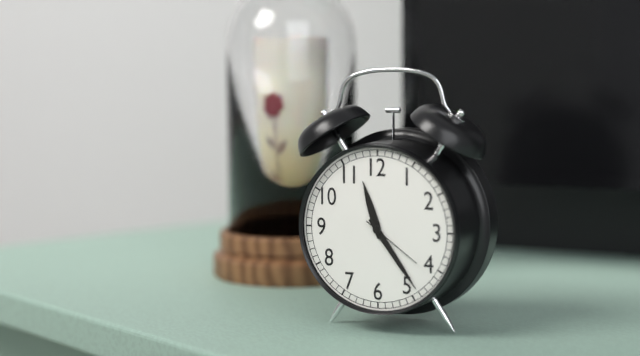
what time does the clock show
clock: 11:24:21
